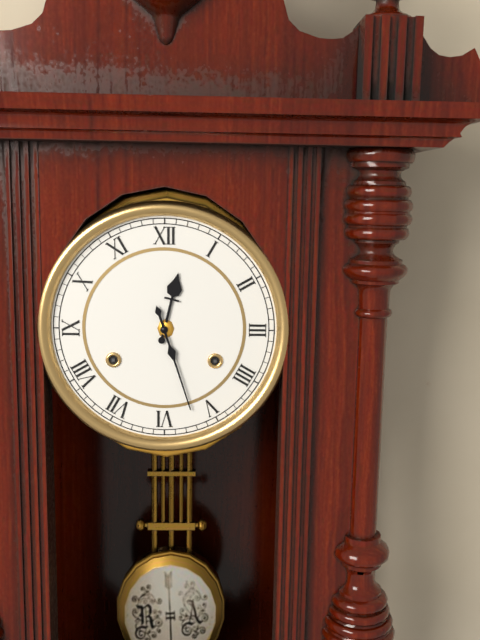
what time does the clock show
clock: 12:27
